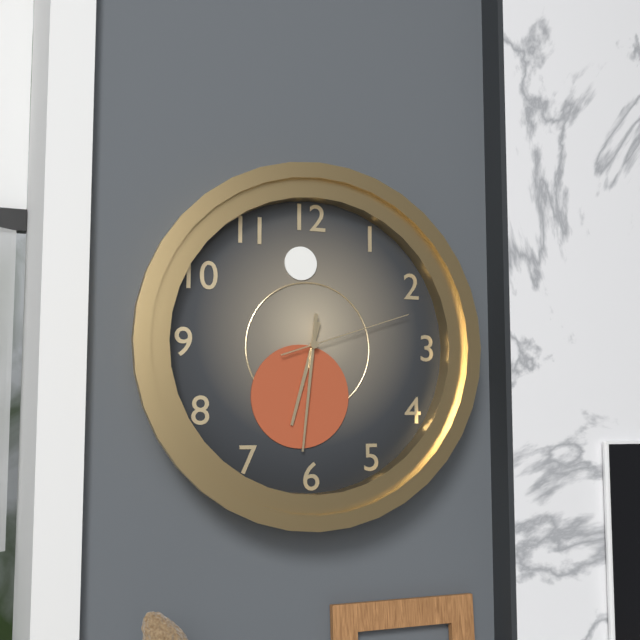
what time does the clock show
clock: 6:31:12
